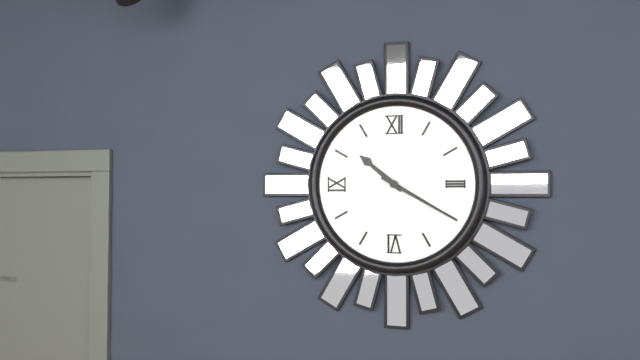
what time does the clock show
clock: 10:20
